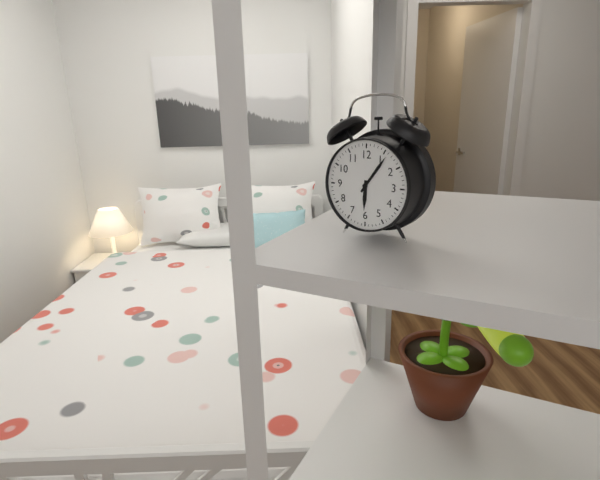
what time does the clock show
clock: 6:06
